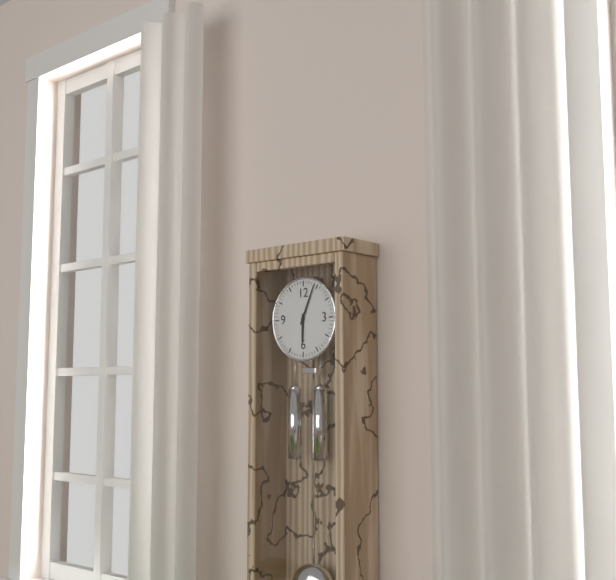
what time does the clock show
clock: 6:04
